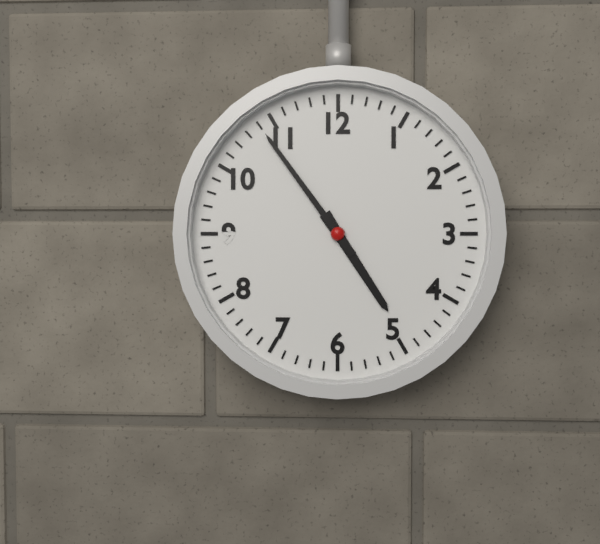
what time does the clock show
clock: 4:54
